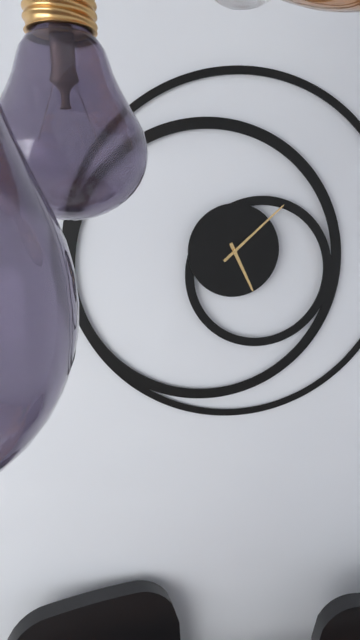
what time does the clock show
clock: 5:08
